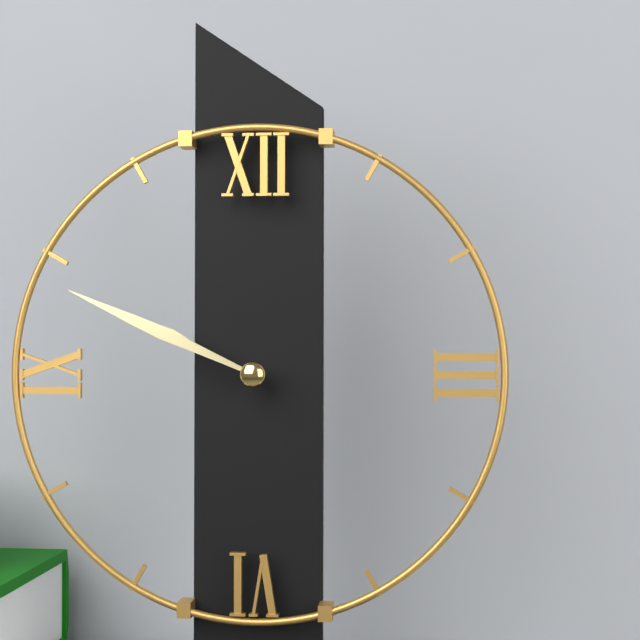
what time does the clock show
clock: 9:49
